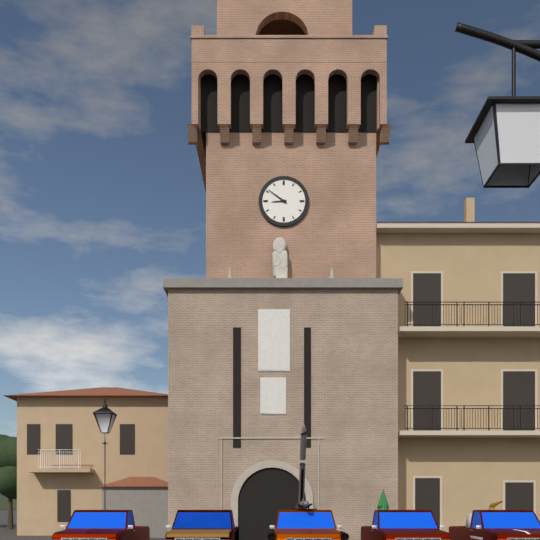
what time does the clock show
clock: 8:51
